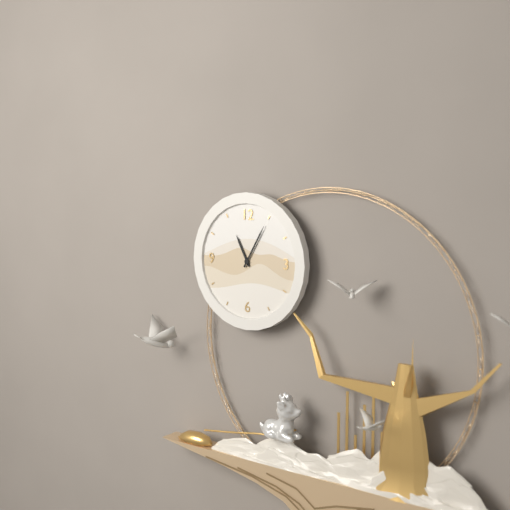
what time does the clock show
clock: 11:05
